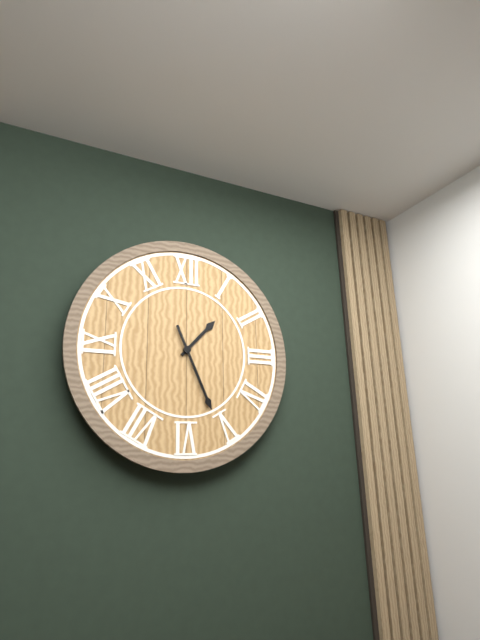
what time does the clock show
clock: 1:26
